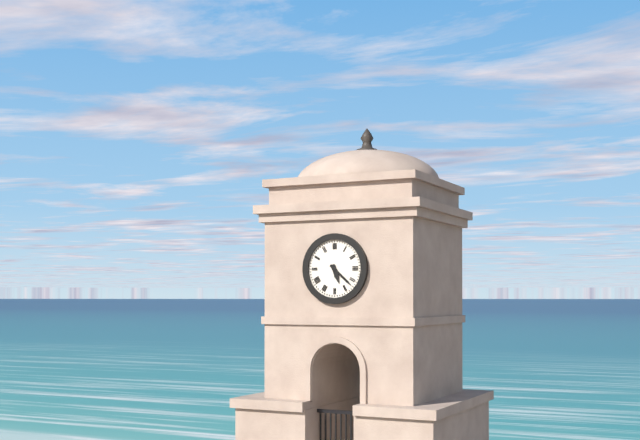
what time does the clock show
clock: 5:22
